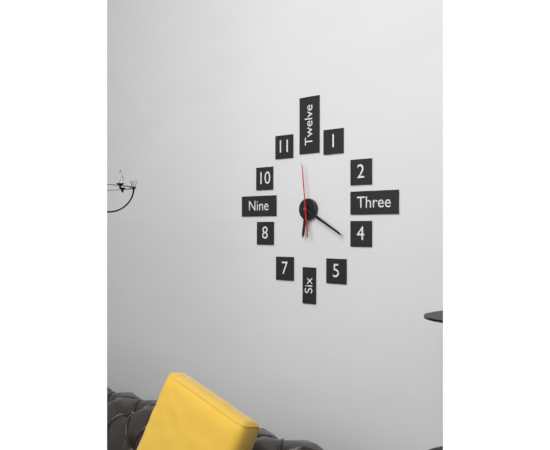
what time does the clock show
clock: 6:20:59
